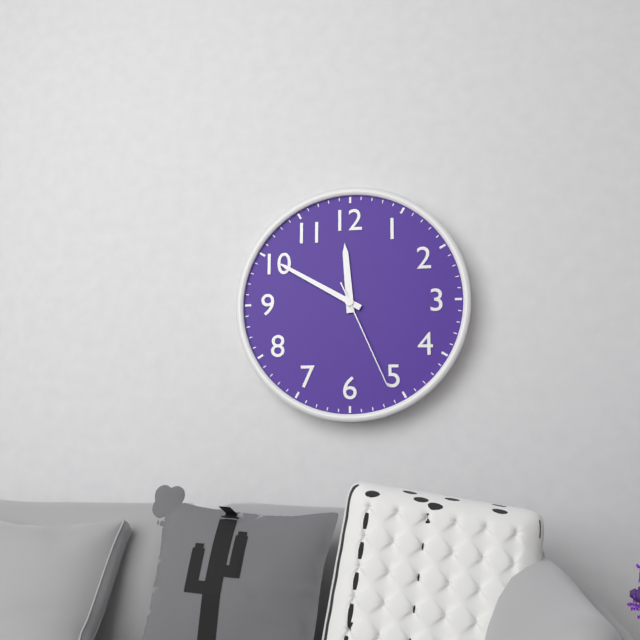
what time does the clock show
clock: 11:50:26
